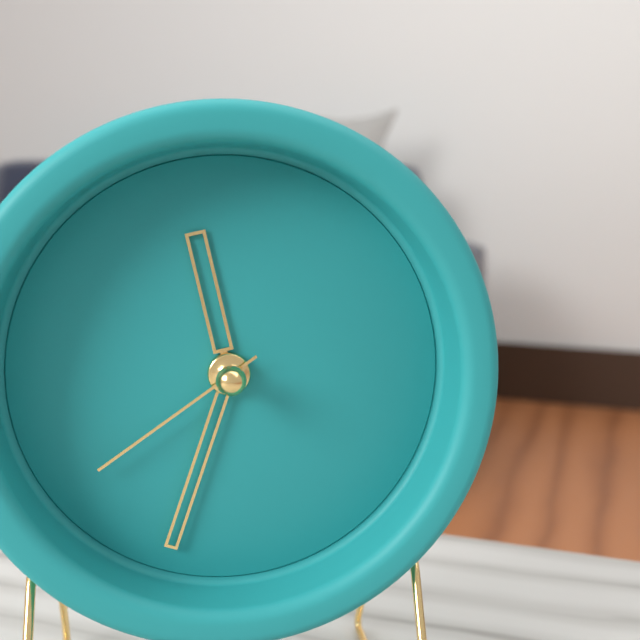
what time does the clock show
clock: 11:33:39
